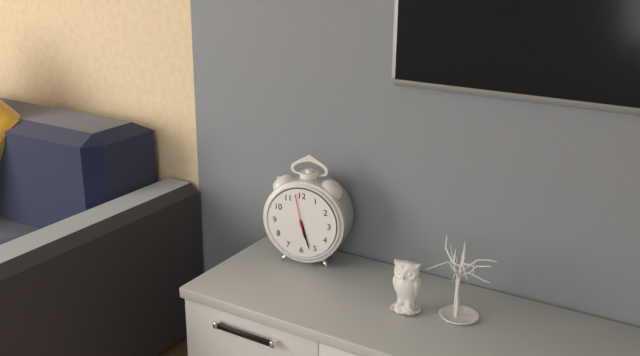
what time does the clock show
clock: 5:27
